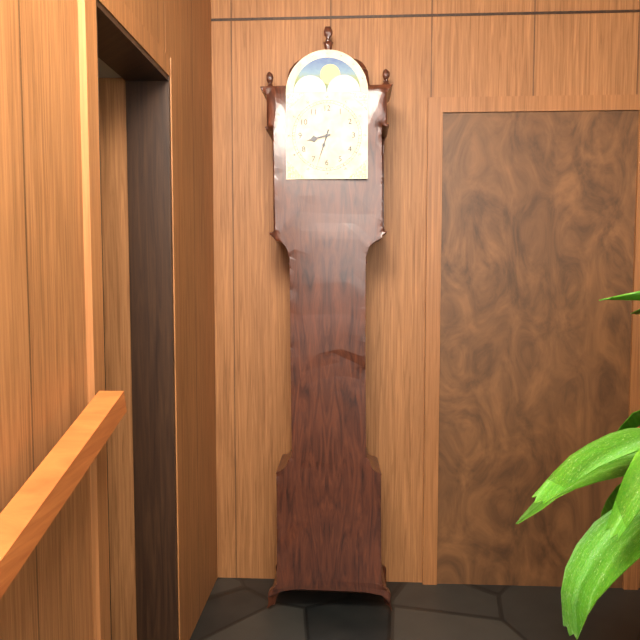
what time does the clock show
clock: 8:33
